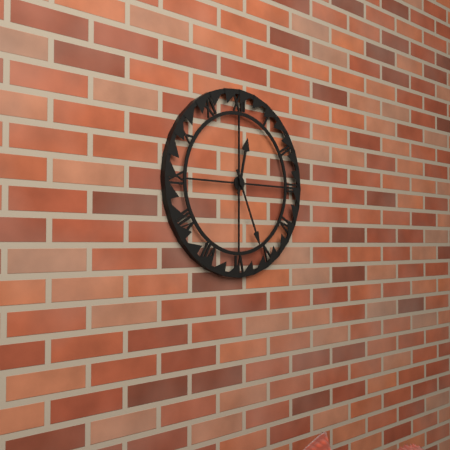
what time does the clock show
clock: 12:26
